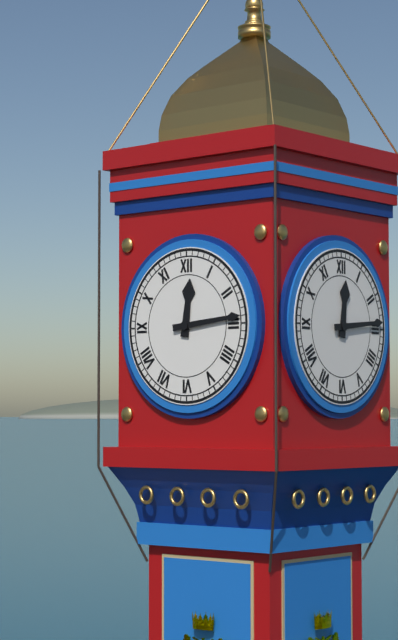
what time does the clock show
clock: 12:14
